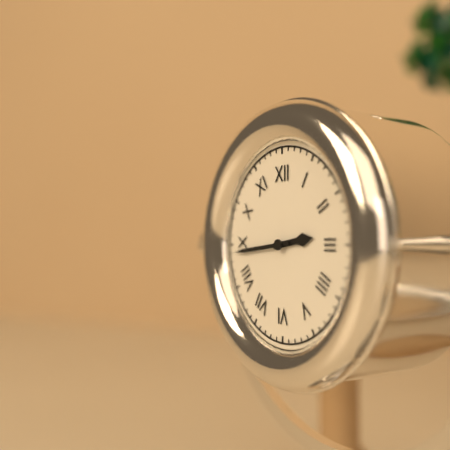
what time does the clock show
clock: 2:44
